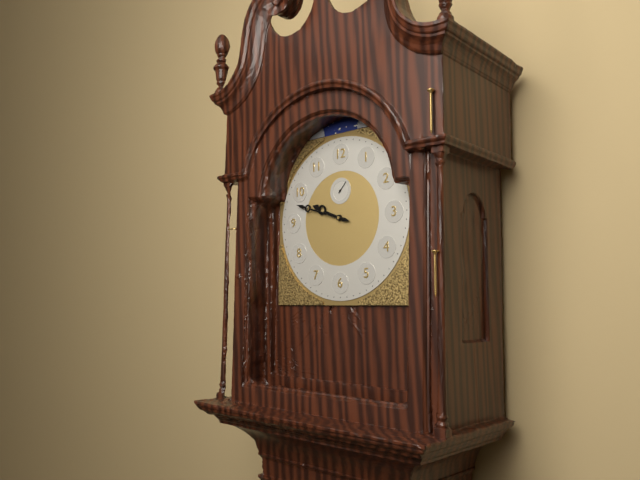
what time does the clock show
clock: 9:48
